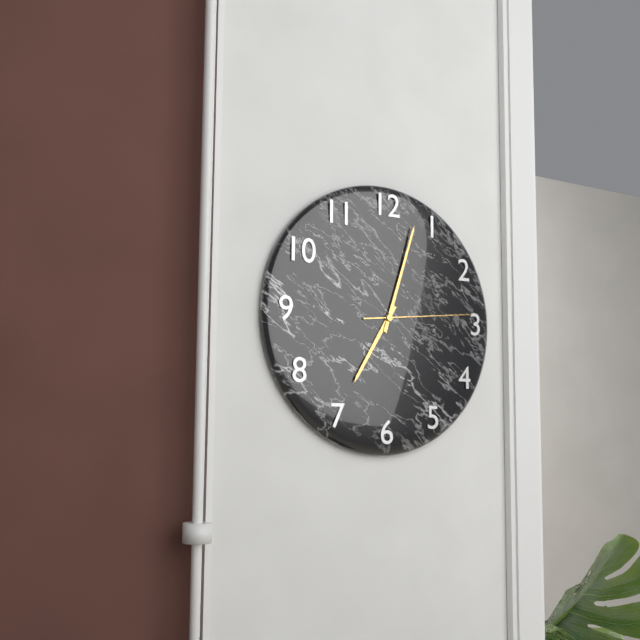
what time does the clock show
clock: 7:03:14
